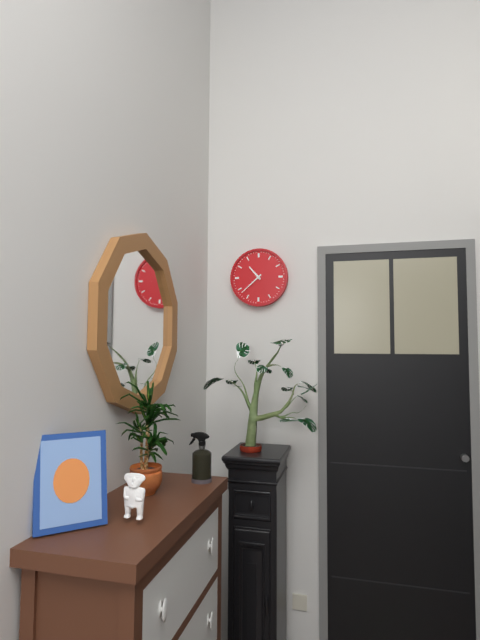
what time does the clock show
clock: 10:38
